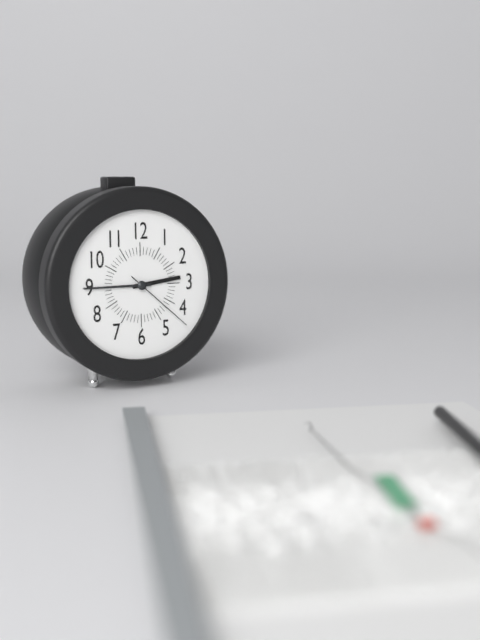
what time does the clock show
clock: 2:45:22
